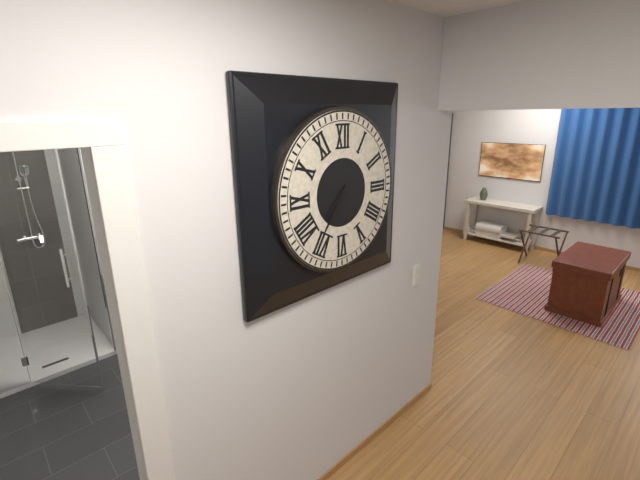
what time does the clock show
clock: 7:36
